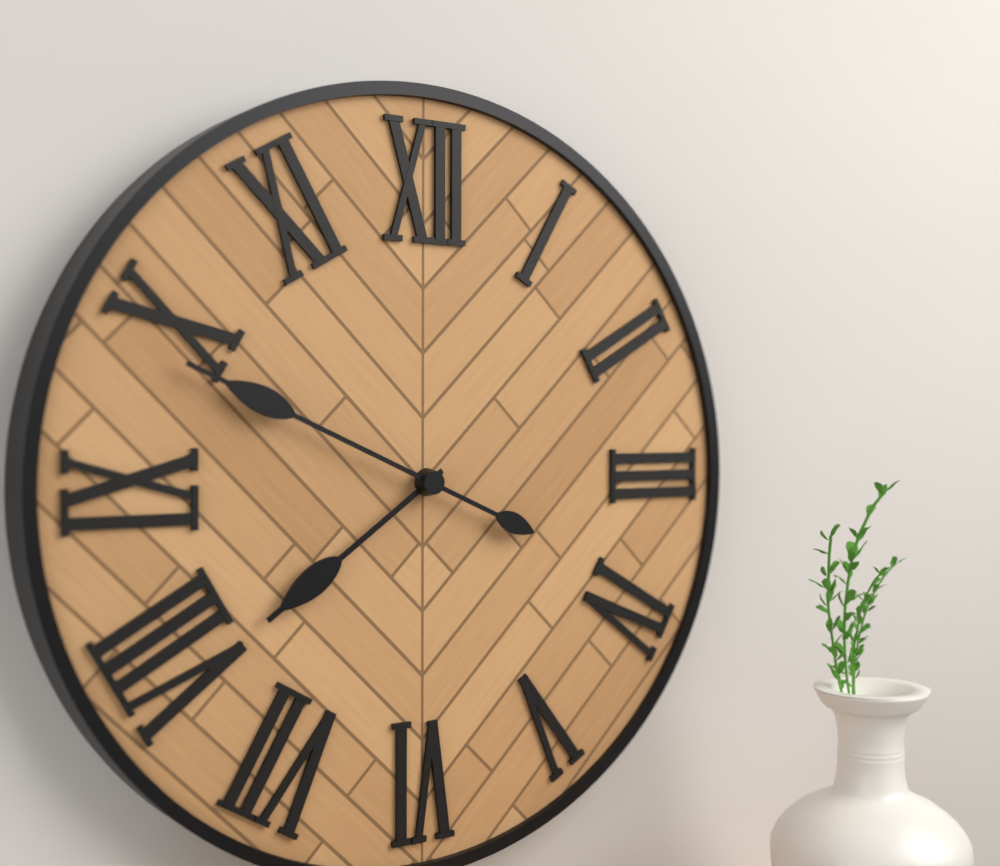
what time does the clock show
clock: 7:49
